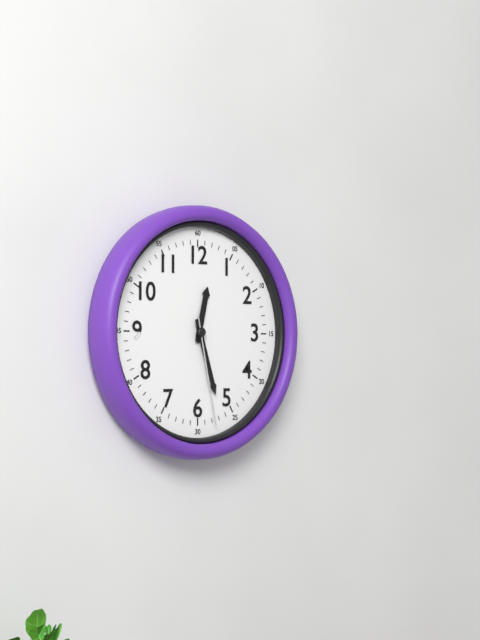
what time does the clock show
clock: 12:27:28
